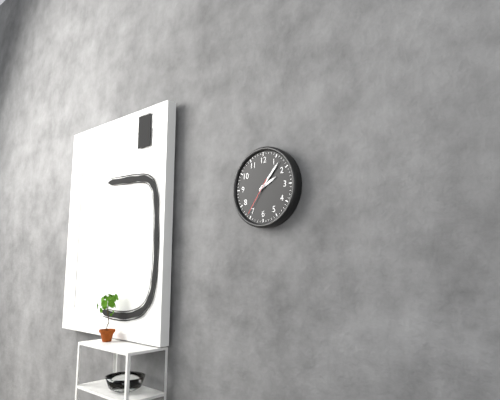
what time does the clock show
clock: 2:07
